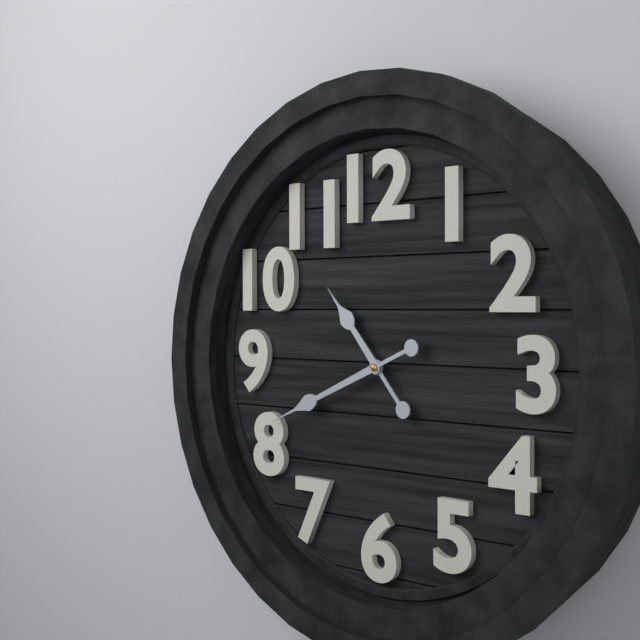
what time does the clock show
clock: 10:41
